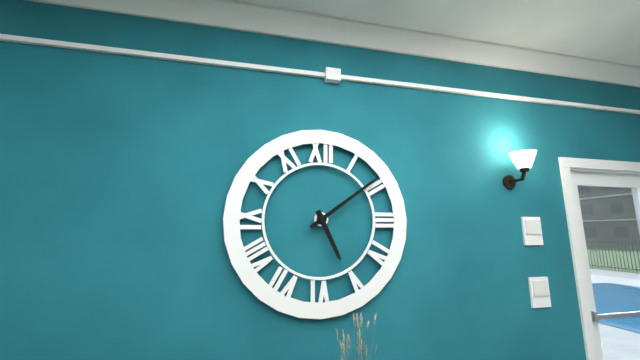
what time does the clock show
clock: 5:09
